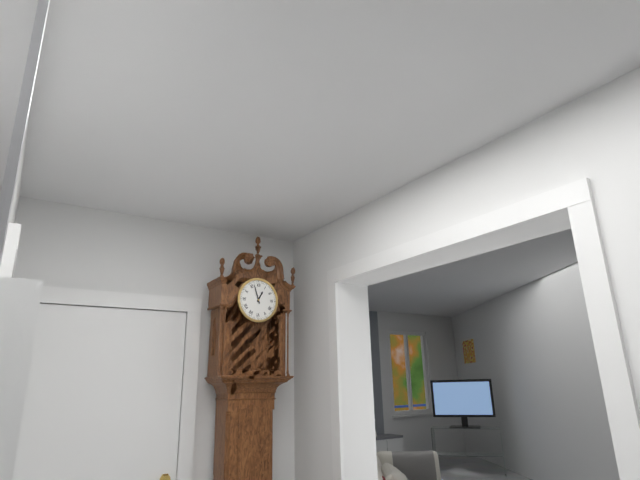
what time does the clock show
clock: 12:57
